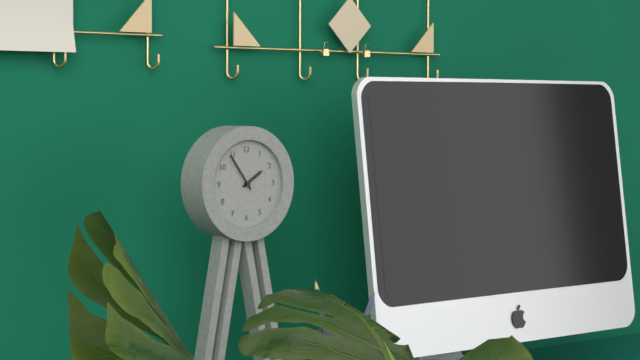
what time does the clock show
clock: 1:54
